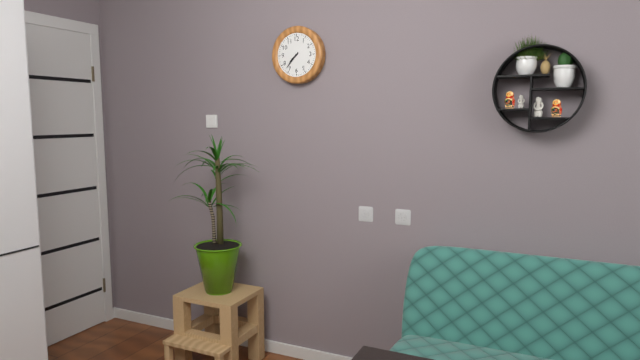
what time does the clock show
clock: 7:37
